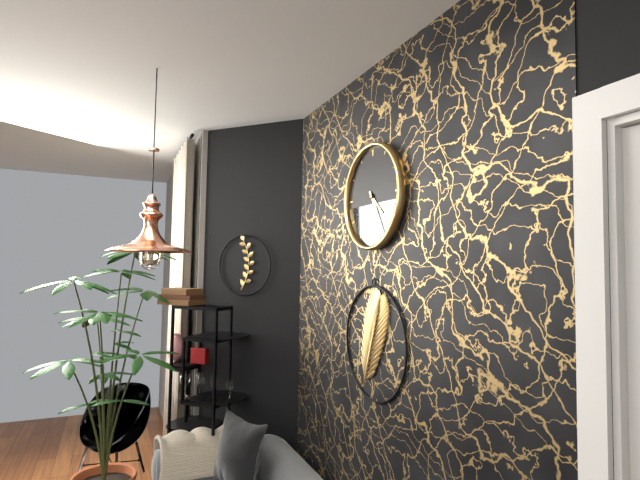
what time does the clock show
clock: 4:25
